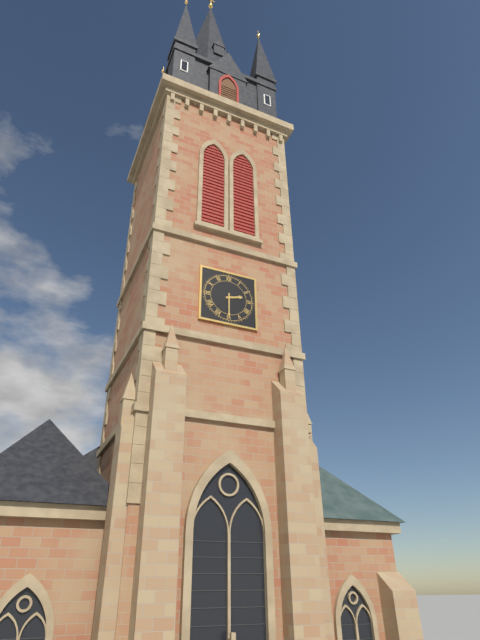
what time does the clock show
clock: 2:30
